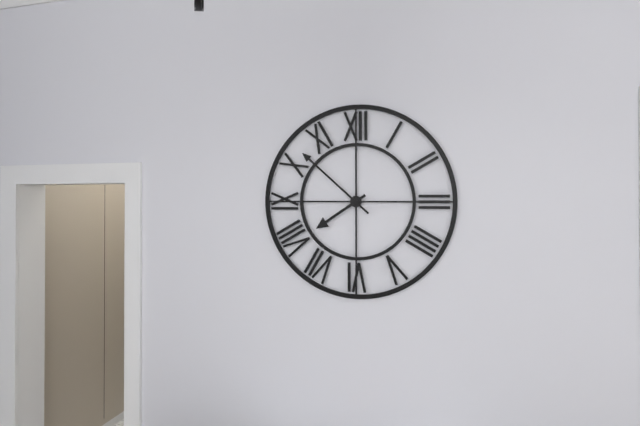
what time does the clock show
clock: 7:52
